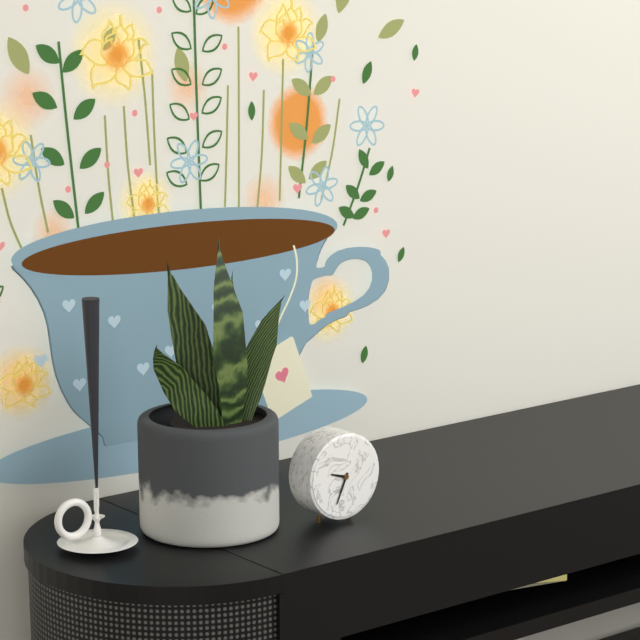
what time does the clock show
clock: 9:34
